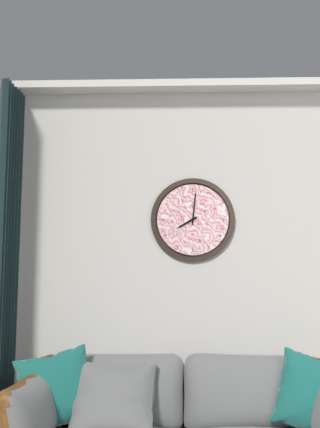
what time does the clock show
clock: 8:01
